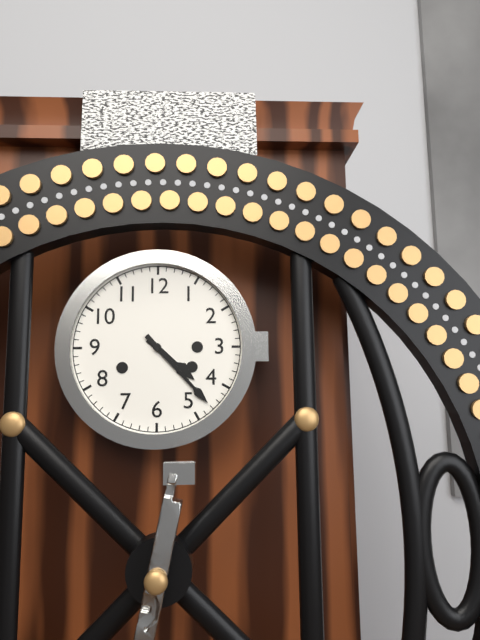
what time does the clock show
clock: 4:23
